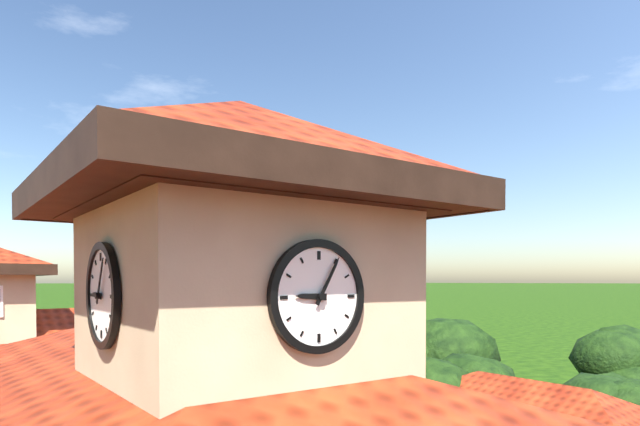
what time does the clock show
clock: 9:05
